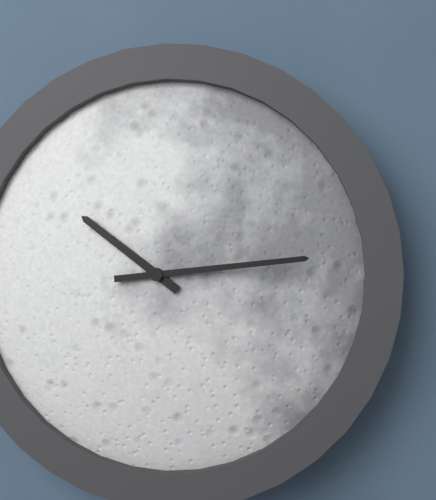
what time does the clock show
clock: 10:14
